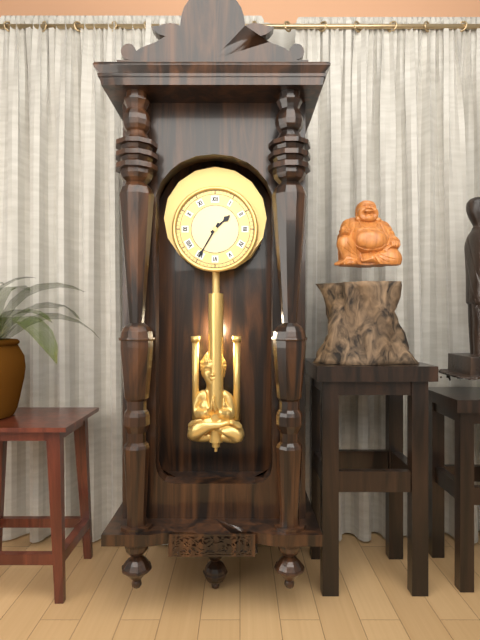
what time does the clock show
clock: 1:35
